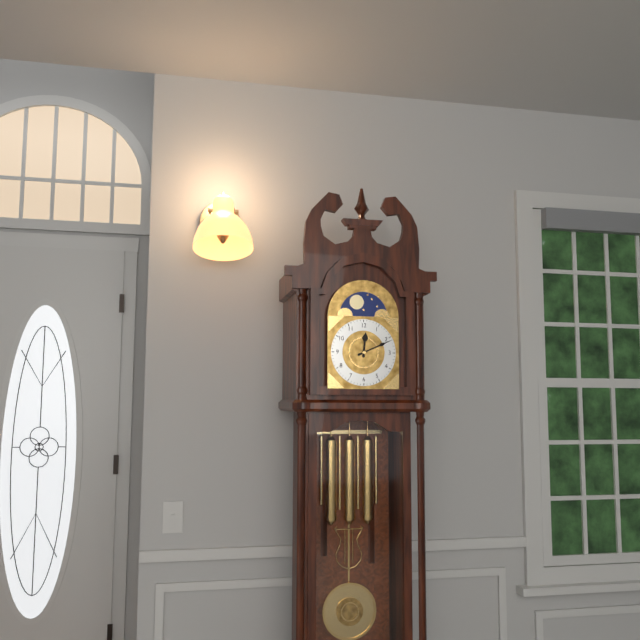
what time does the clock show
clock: 12:11
